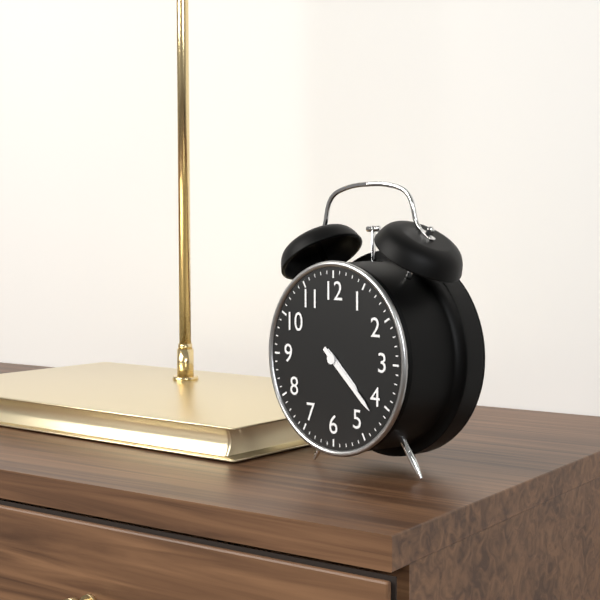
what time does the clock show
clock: 4:22
